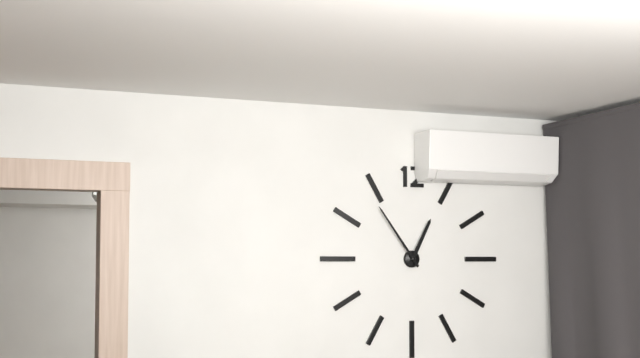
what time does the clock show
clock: 12:54
